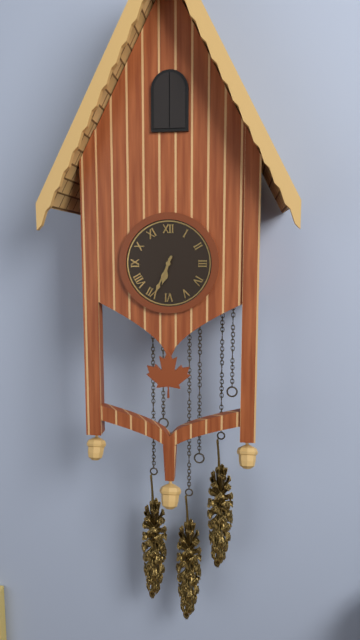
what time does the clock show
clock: 6:34
